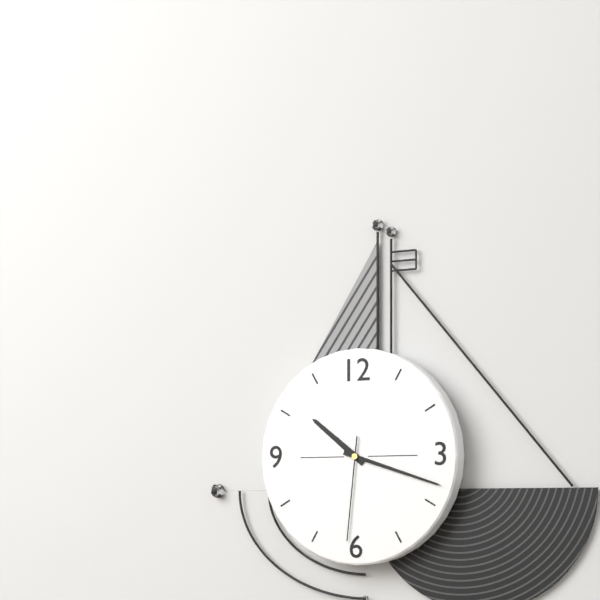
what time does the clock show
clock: 10:18:31
